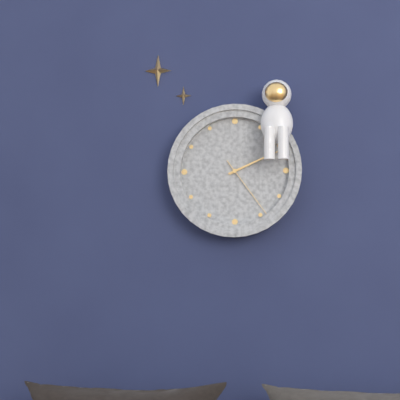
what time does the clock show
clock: 2:11:24
